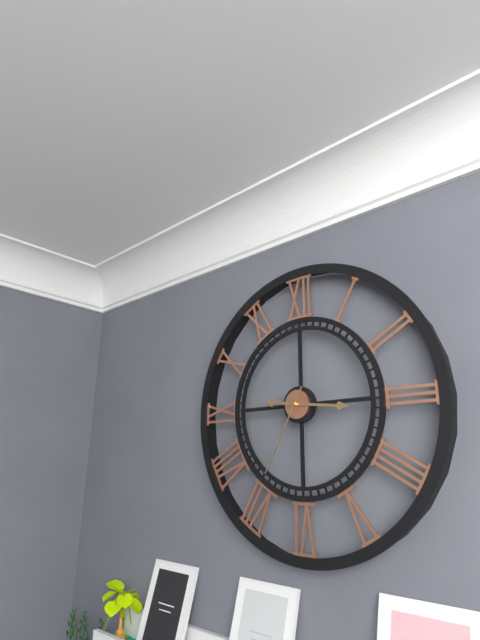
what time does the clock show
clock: 9:16:35
